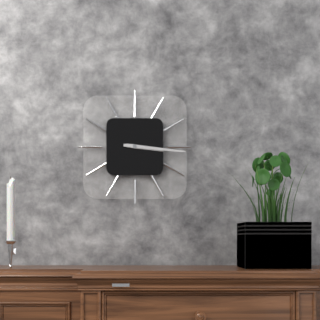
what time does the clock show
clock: 3:16
